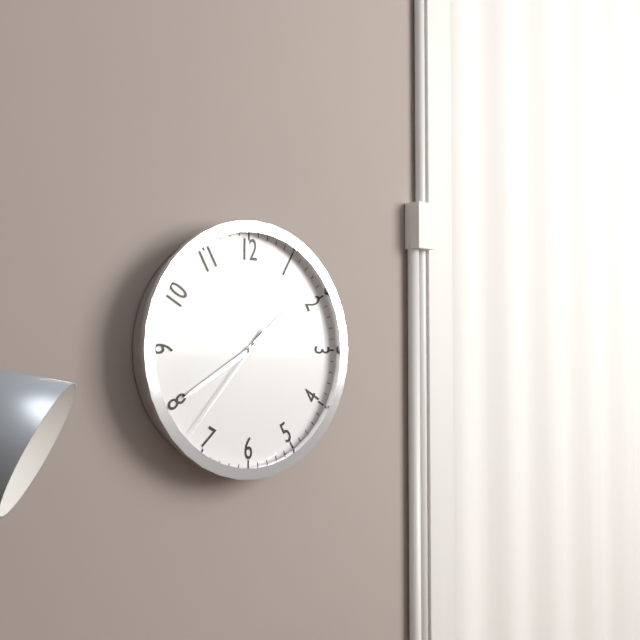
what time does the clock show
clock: 1:40:37
